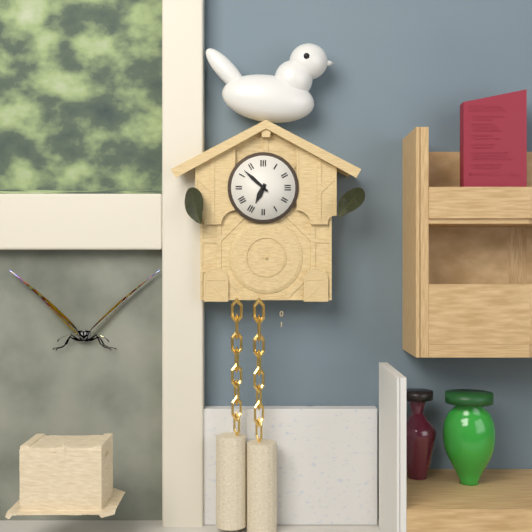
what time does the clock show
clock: 6:52
